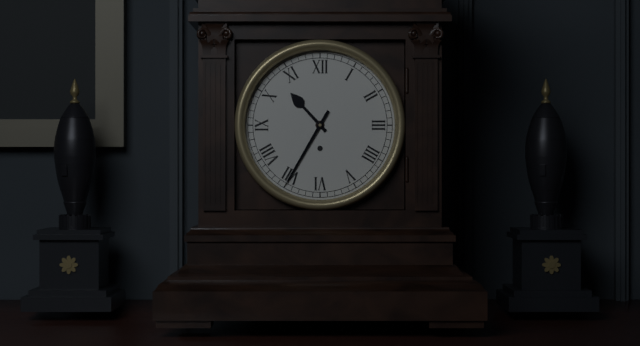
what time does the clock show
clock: 10:35
